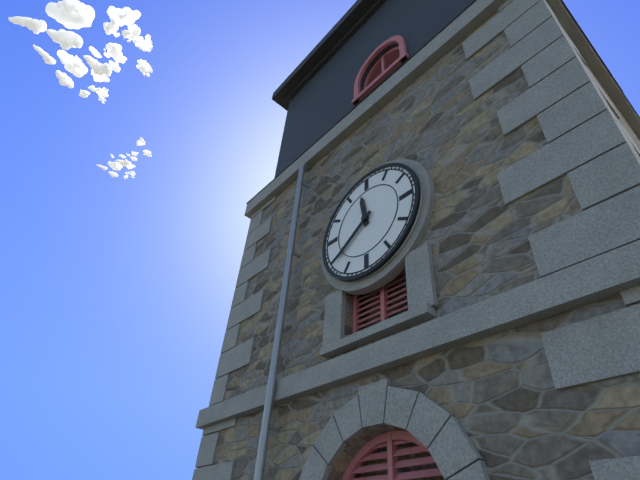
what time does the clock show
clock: 11:39
